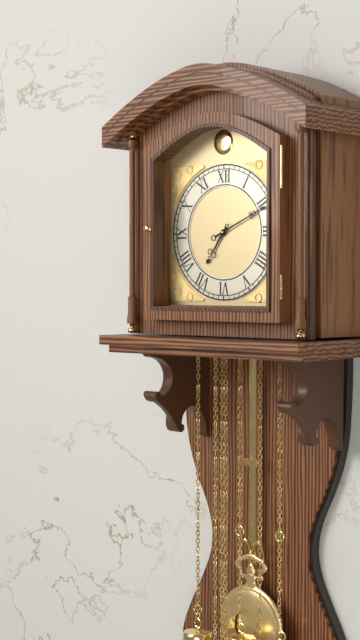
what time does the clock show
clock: 7:11
